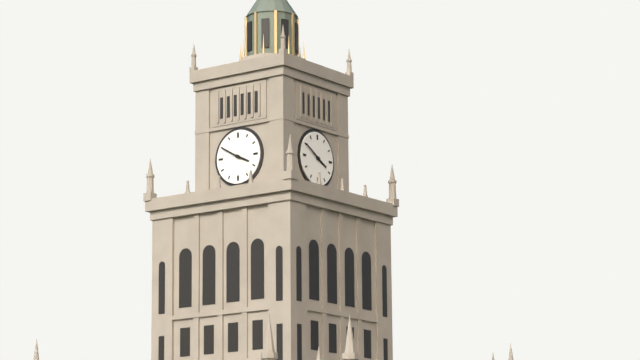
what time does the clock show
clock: 3:50
